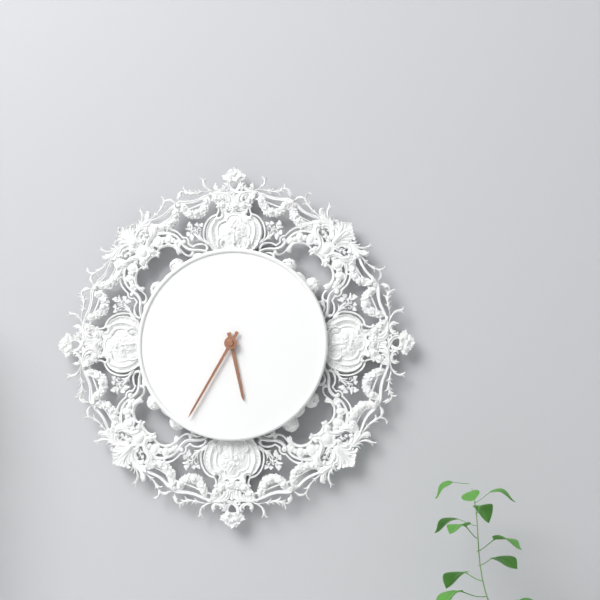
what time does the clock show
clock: 5:35
